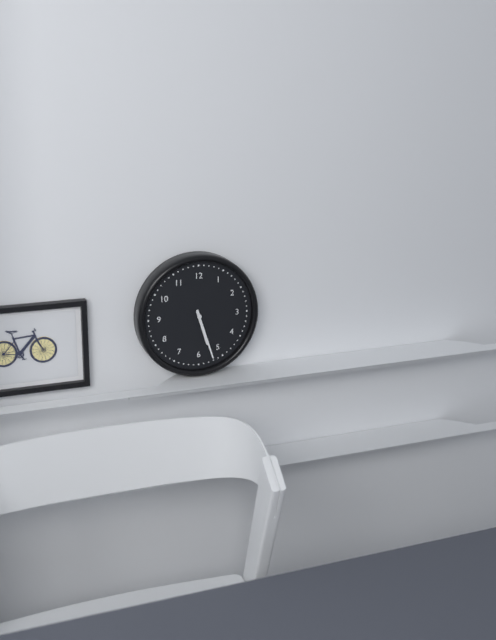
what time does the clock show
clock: 5:27
